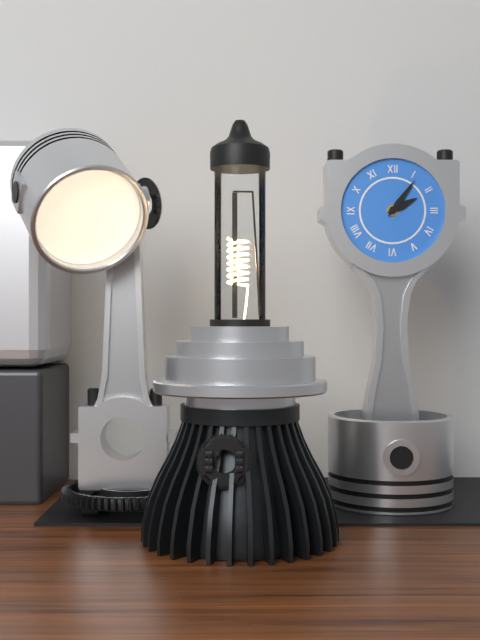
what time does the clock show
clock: 2:06
